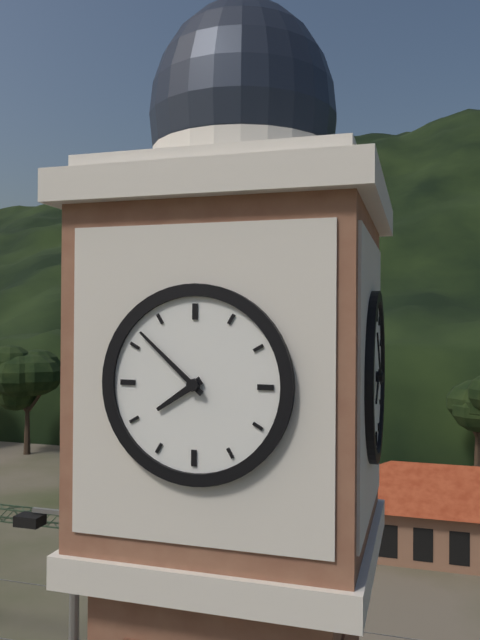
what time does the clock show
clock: 7:52
